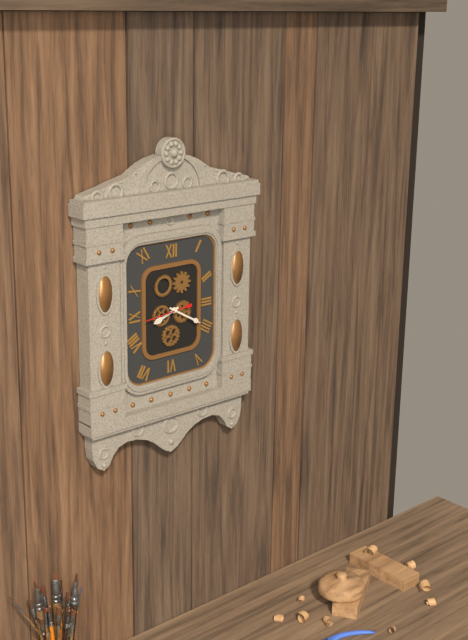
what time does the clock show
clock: 8:20
